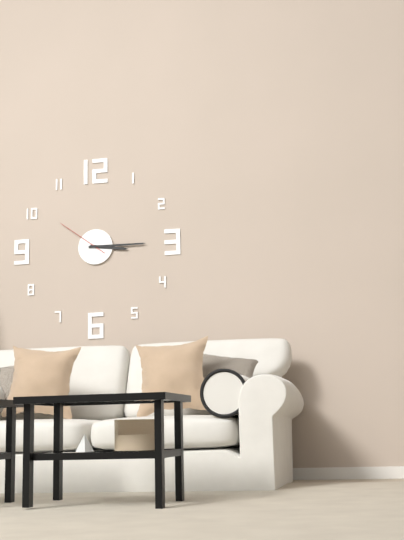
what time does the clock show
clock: 3:15:51
